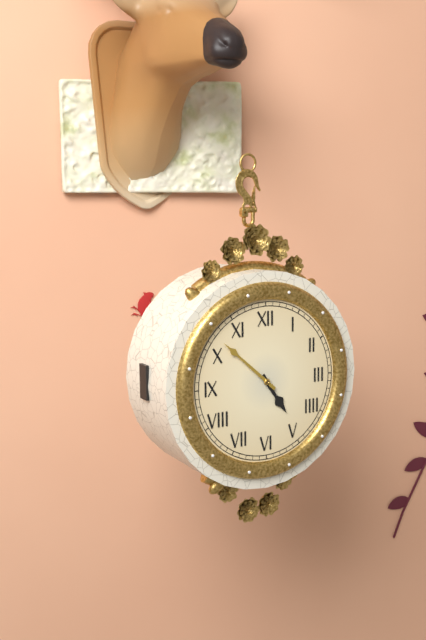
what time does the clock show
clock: 4:52
